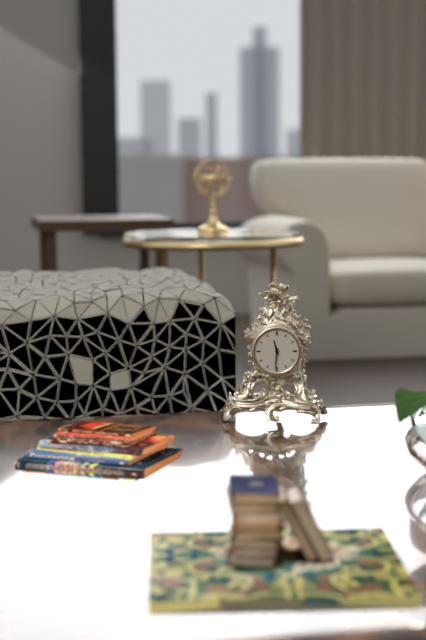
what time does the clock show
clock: 11:31
